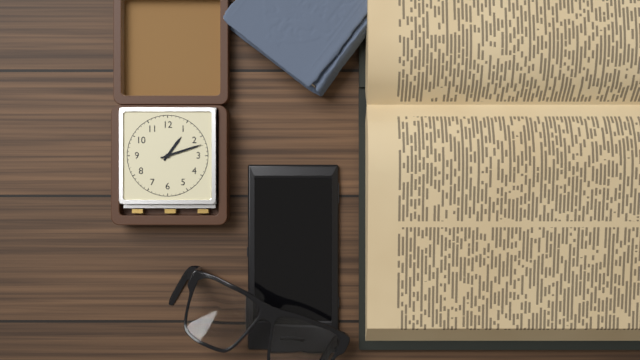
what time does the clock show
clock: 1:12
